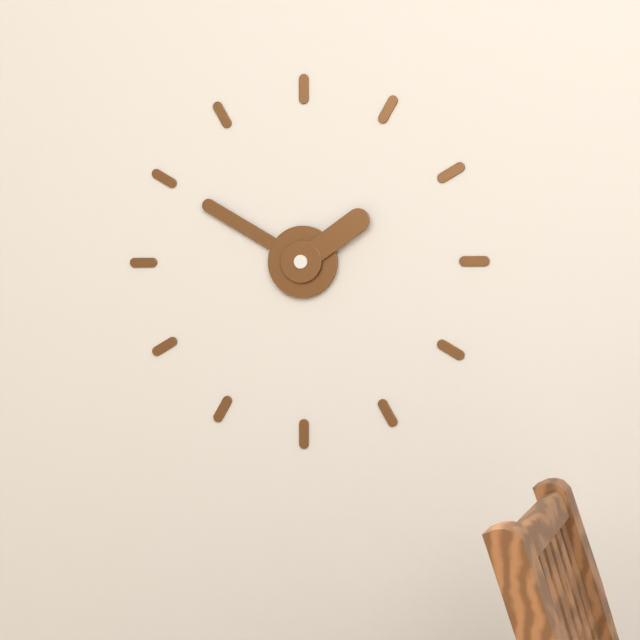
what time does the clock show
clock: 1:50
